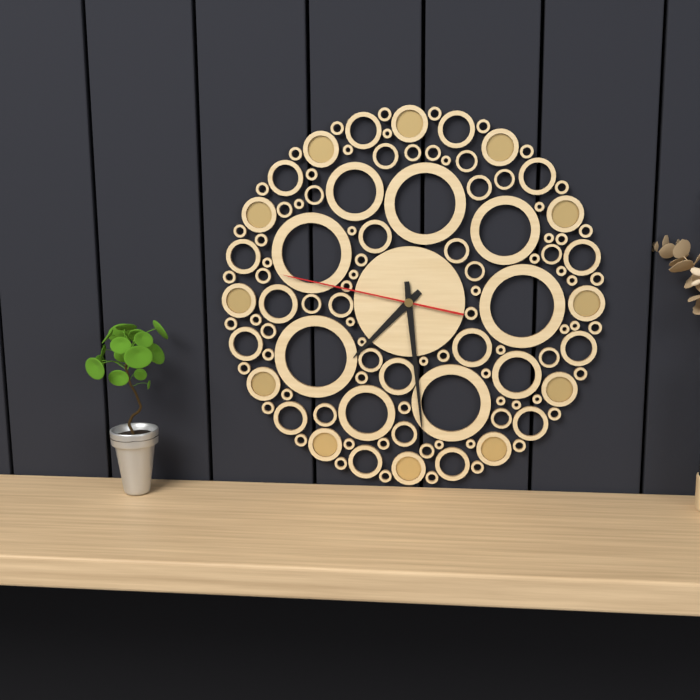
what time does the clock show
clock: 7:29:47
